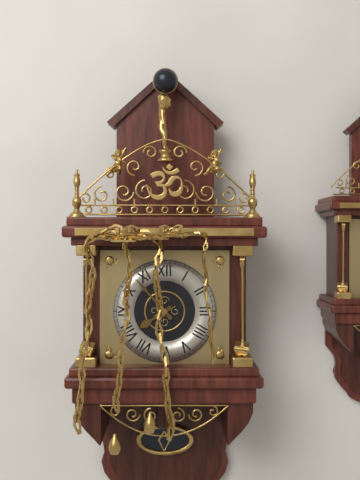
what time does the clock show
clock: 7:53
